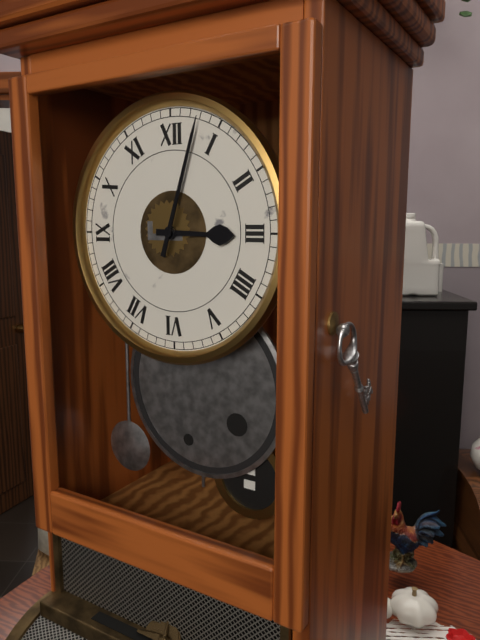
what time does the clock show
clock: 3:03
